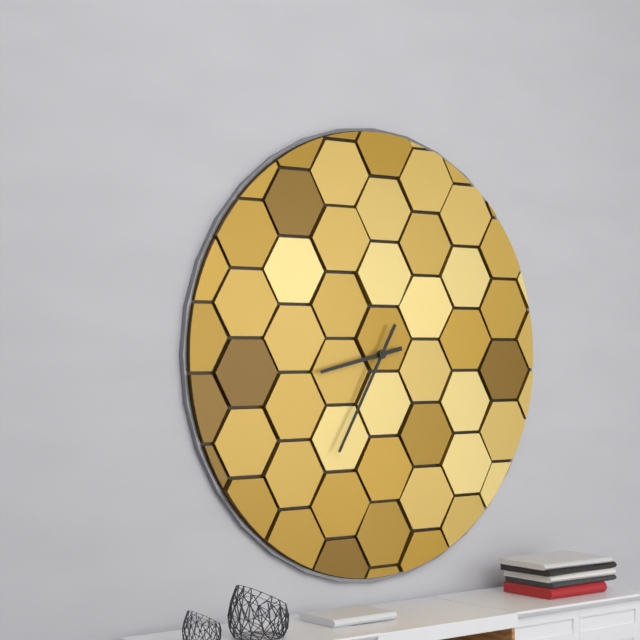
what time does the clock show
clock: 8:35
